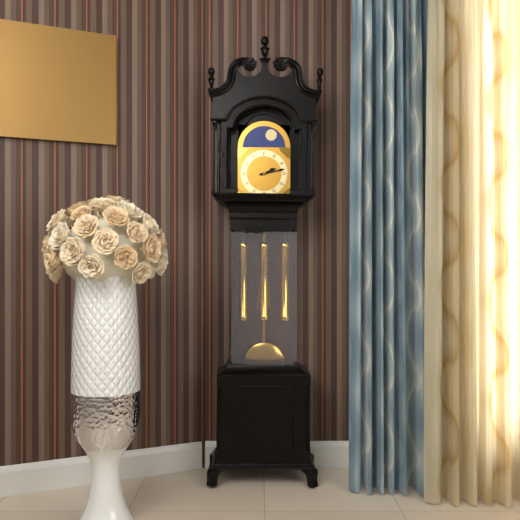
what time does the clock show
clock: 2:13
